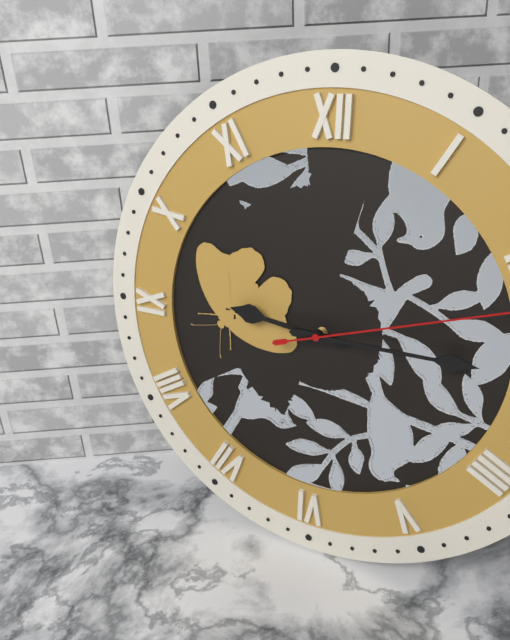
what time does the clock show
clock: 9:15
